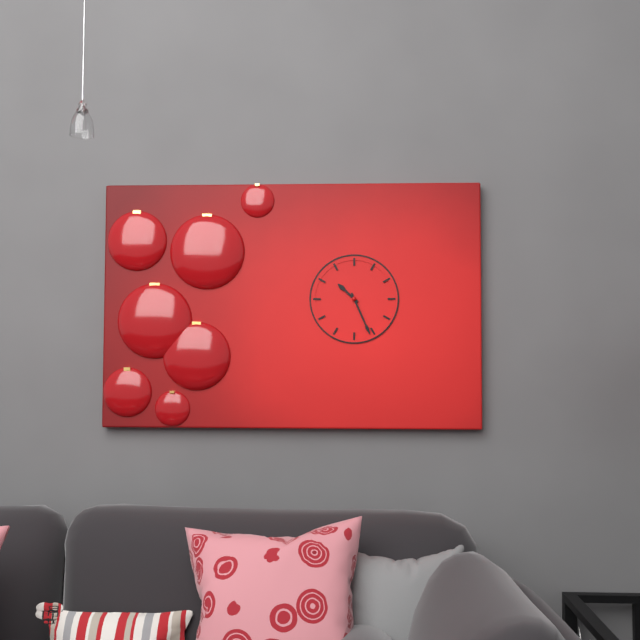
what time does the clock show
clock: 10:26
